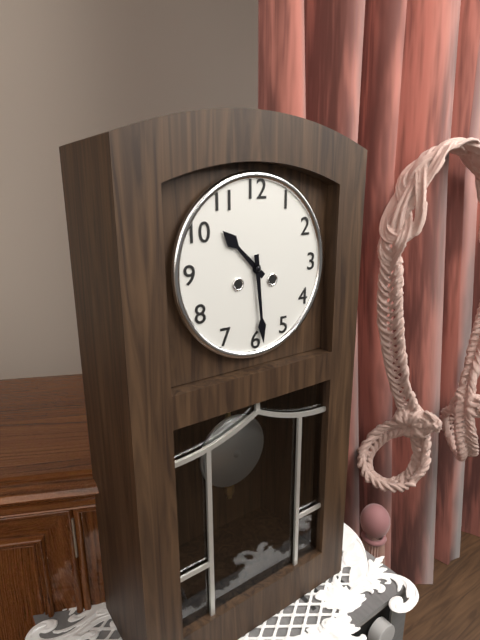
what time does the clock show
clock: 10:29
